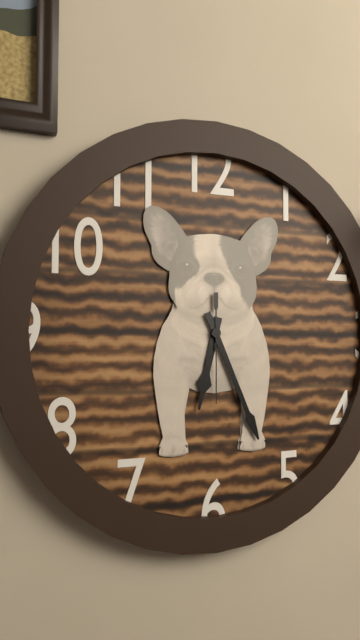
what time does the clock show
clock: 6:26:30
